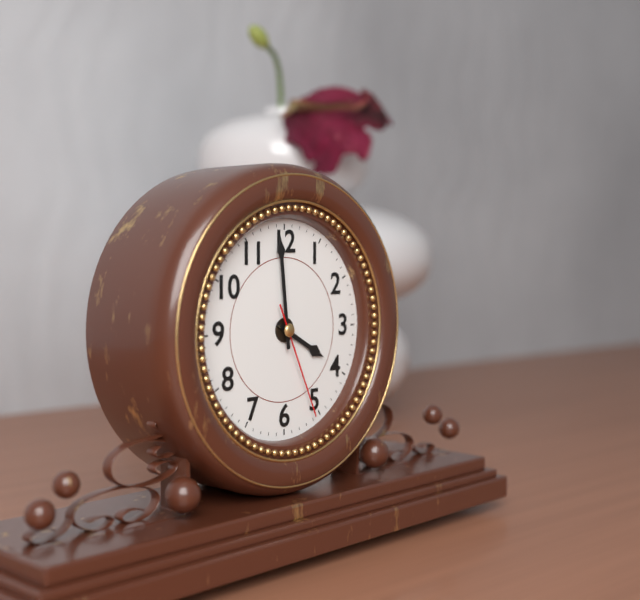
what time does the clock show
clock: 3:59:26
